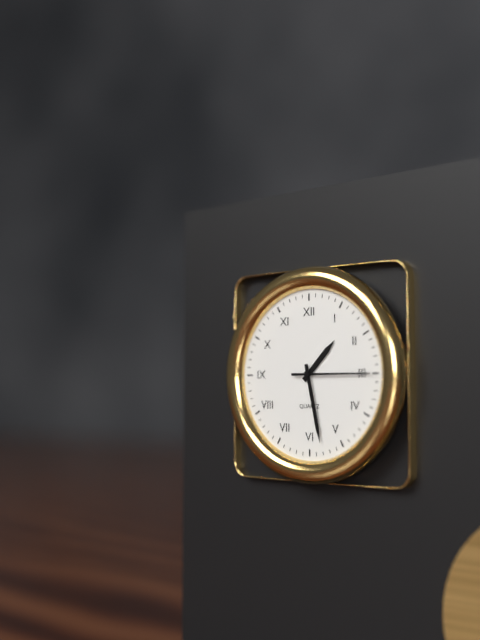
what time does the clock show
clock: 1:28:15
